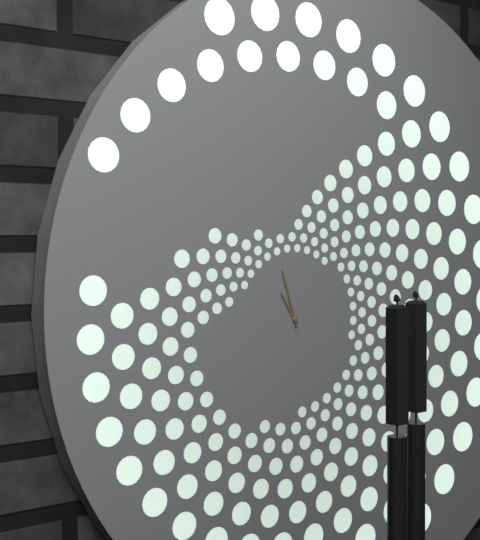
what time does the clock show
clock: 10:57
